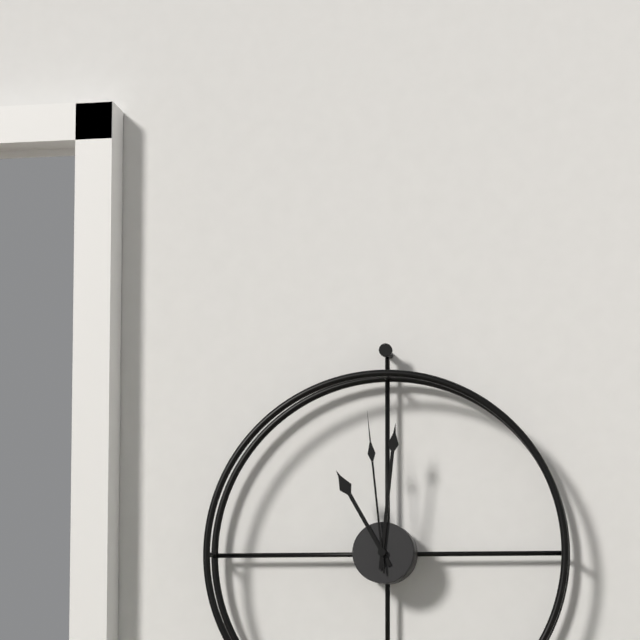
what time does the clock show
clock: 11:01:59
